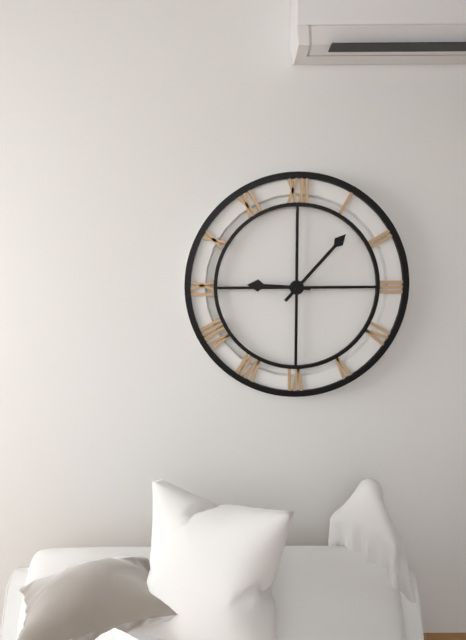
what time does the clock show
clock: 9:07
